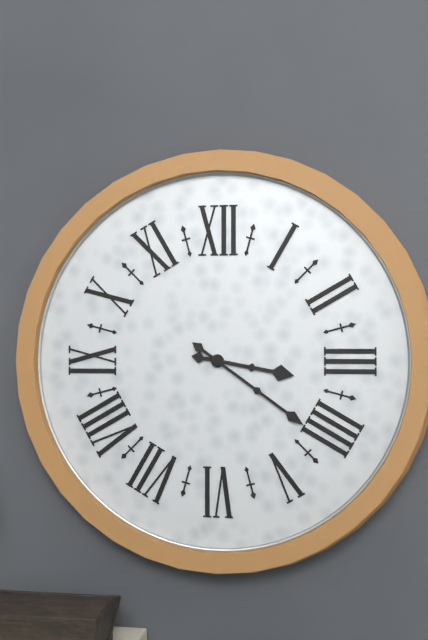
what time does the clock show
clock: 3:21
